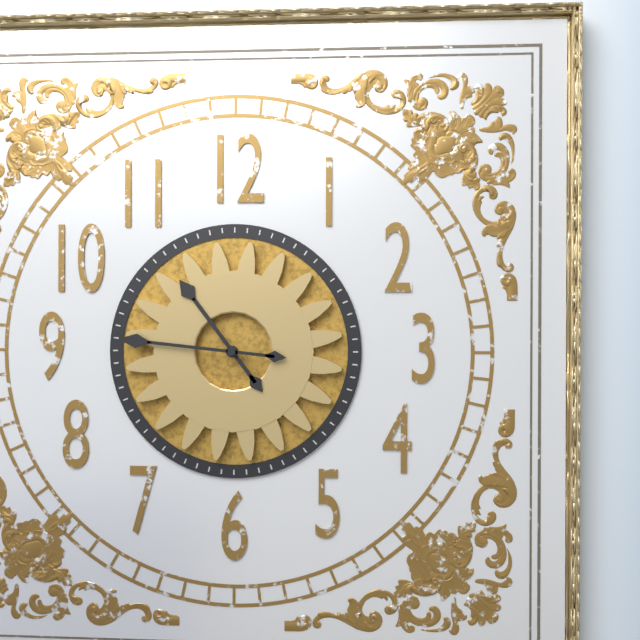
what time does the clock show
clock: 10:46
